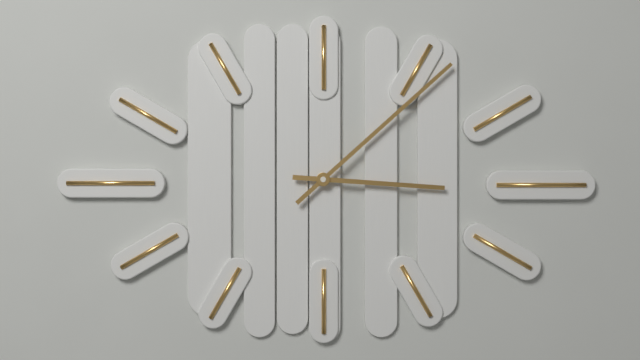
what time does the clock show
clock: 3:08
